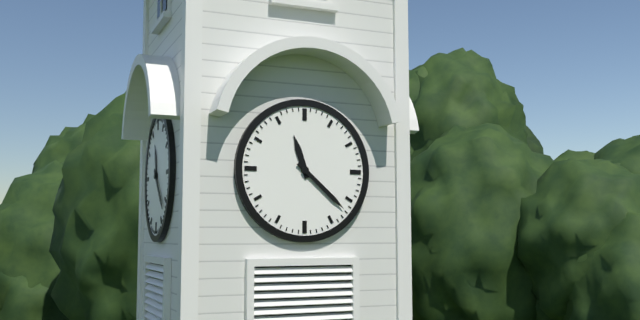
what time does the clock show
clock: 11:22
